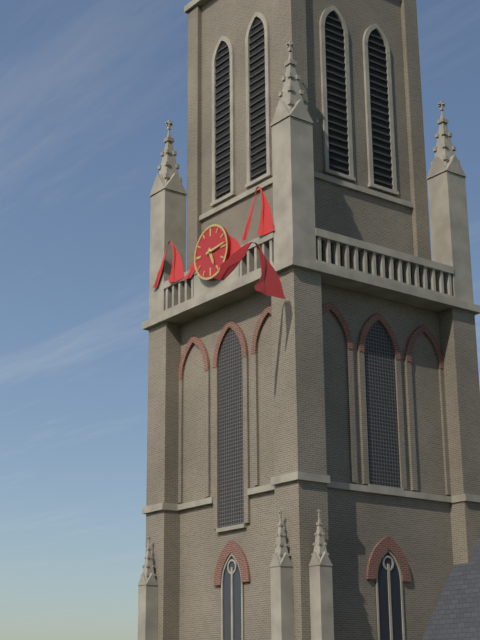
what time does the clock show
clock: 5:14
